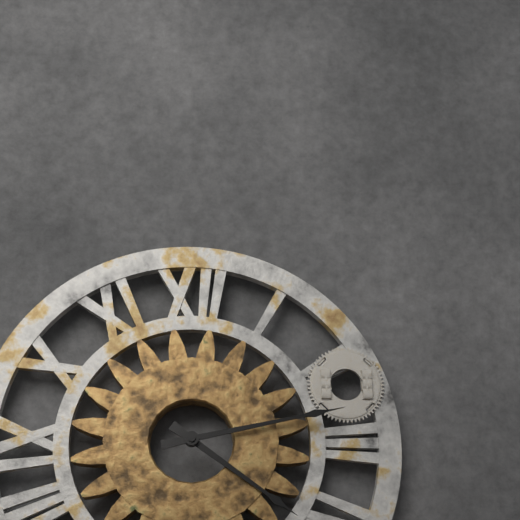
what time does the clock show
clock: 4:13
